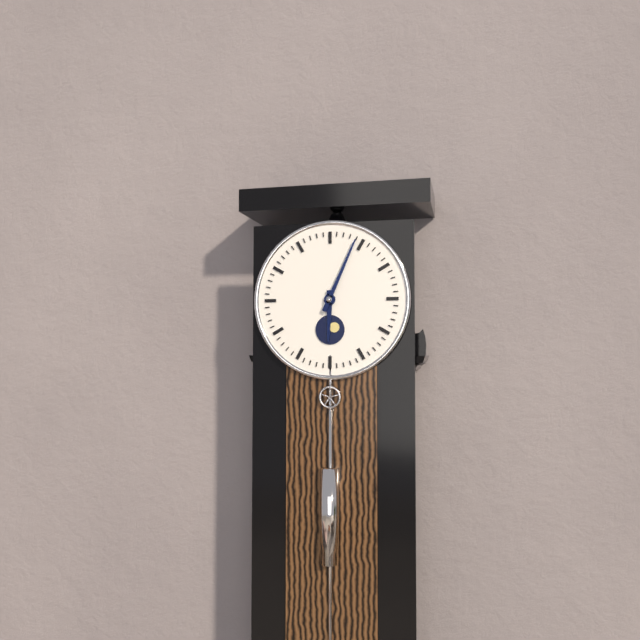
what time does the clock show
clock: 6:04
